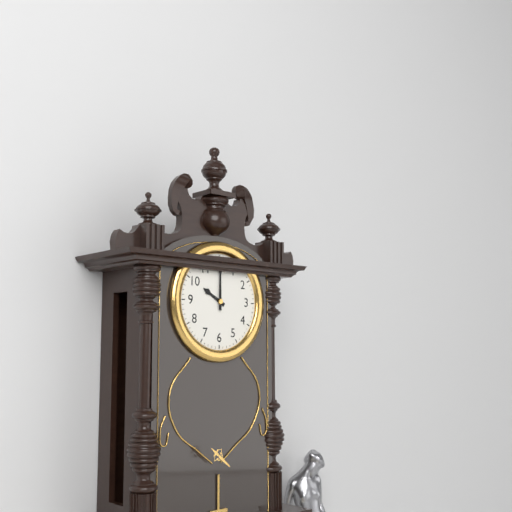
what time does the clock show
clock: 10:00
